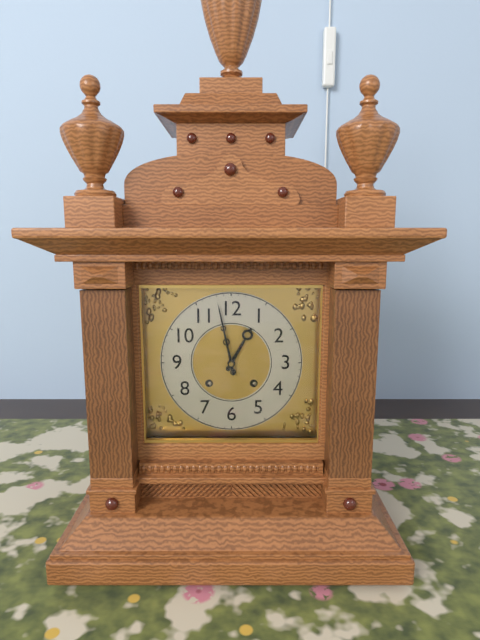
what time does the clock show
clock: 12:58
